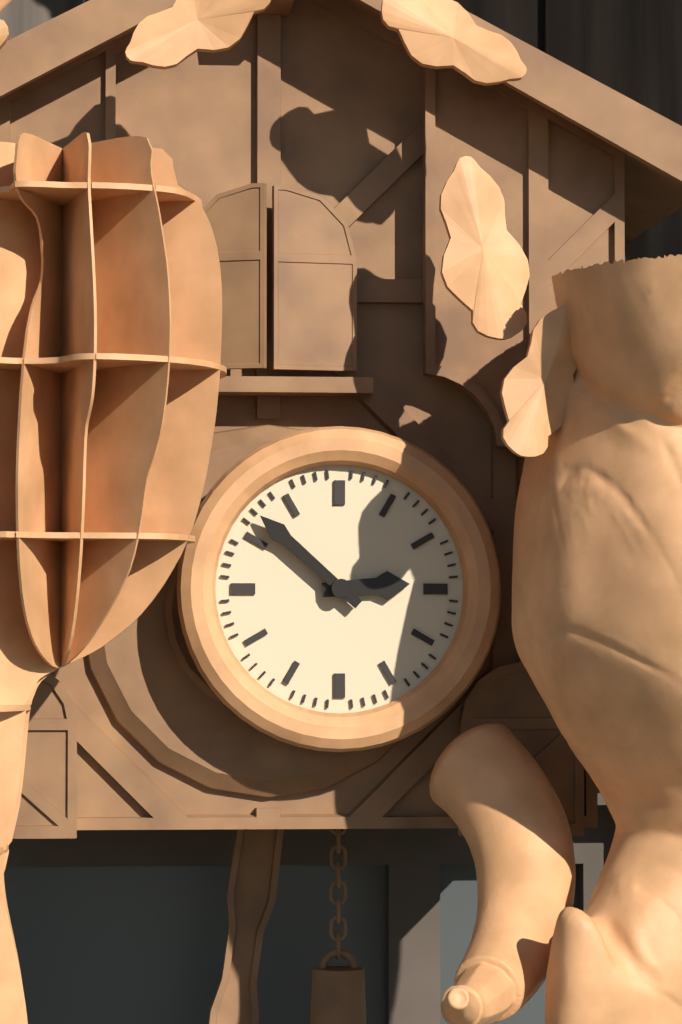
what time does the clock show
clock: 2:52
